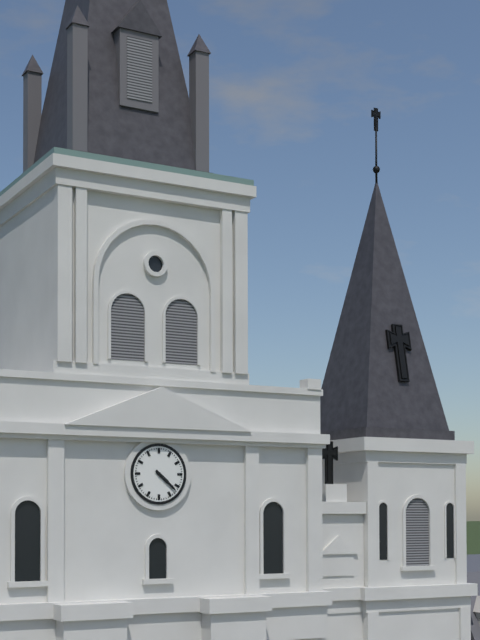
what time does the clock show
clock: 4:22
